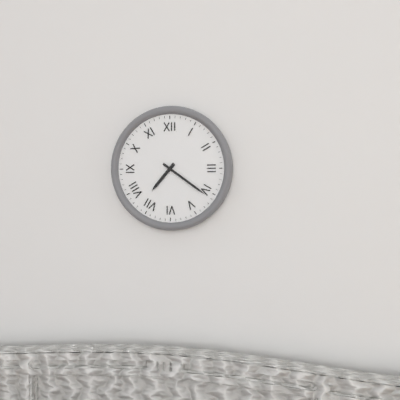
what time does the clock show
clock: 7:21
